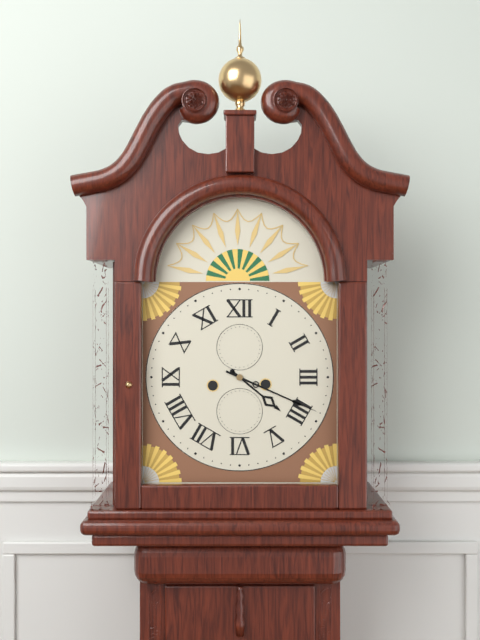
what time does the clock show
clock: 4:19
